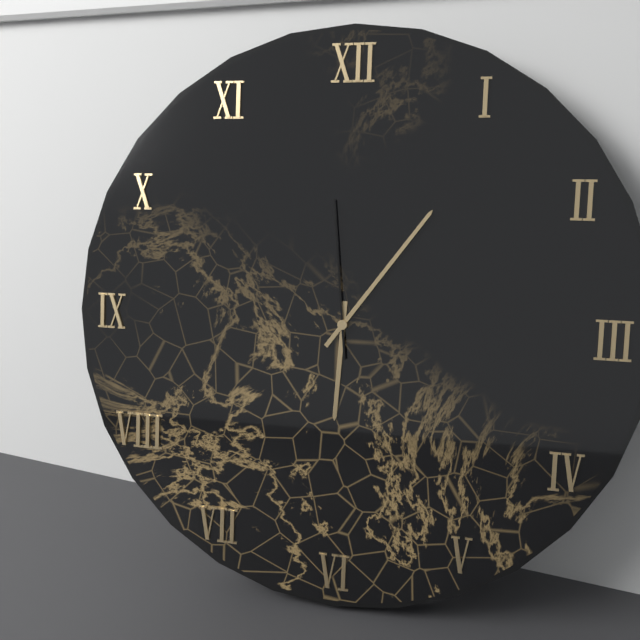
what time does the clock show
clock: 6:06:59
